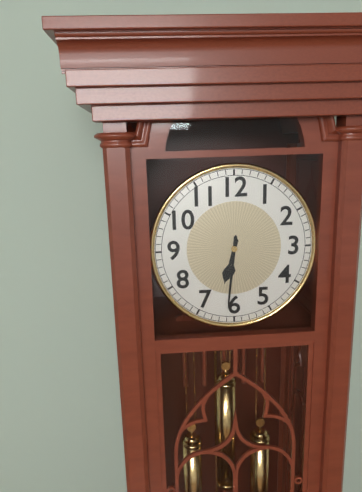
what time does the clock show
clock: 6:31
